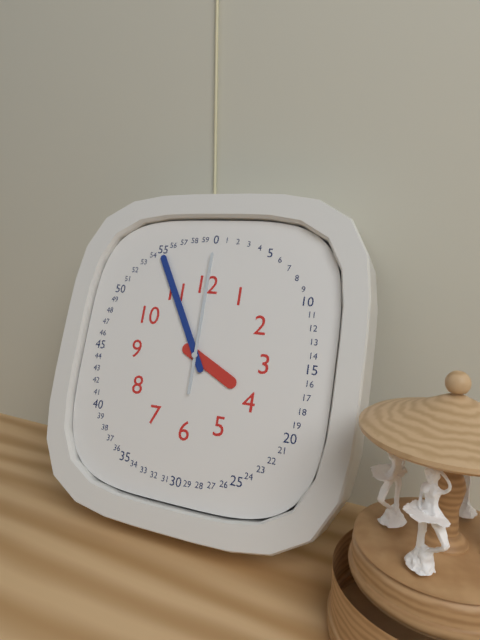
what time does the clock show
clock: 3:55:00
